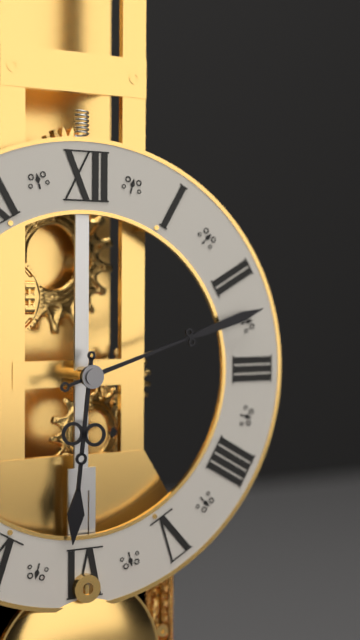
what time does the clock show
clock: 6:12
